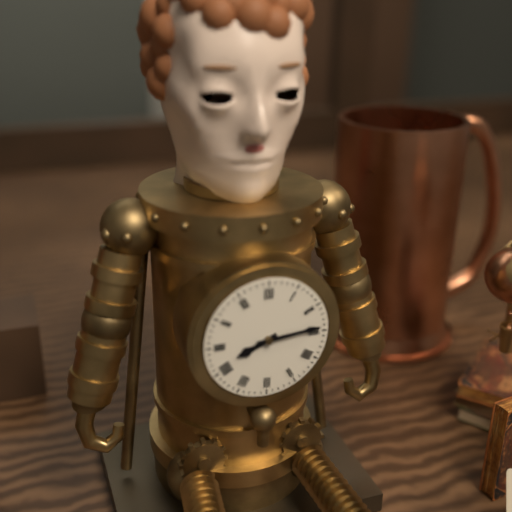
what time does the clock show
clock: 8:14
